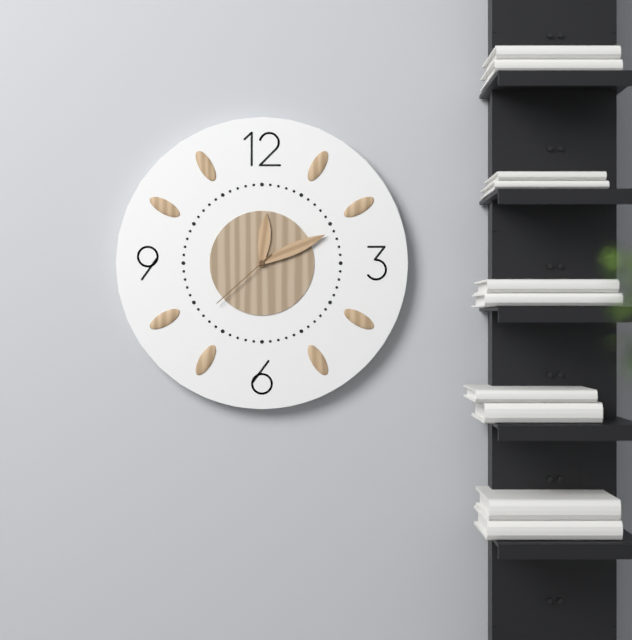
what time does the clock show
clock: 12:11:38
